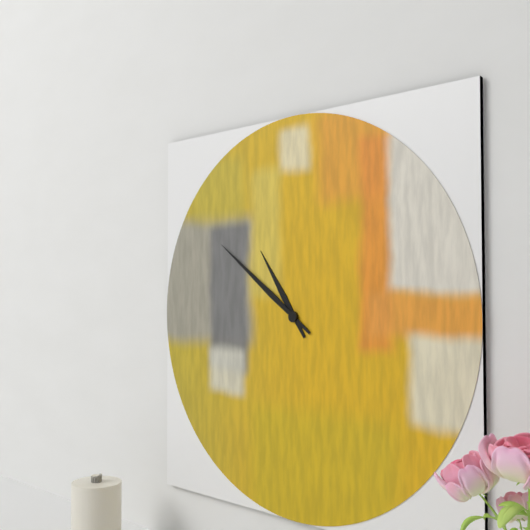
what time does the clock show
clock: 10:51
